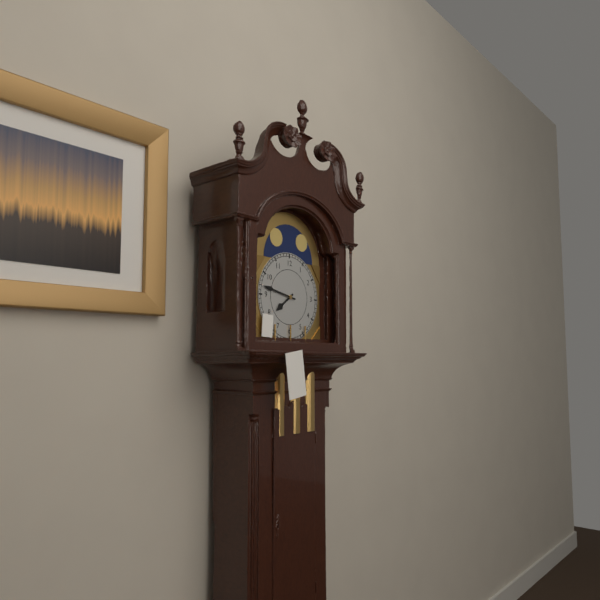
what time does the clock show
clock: 7:47
